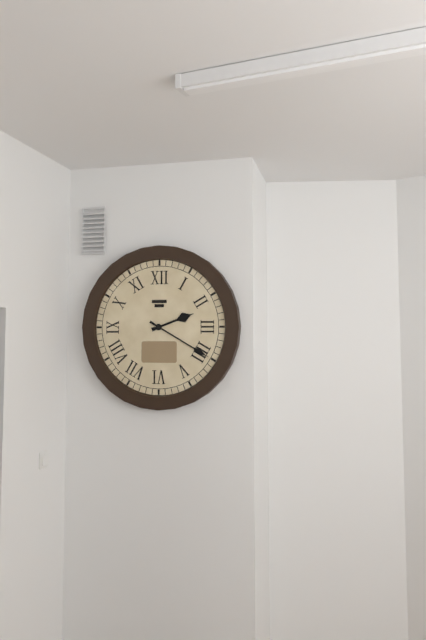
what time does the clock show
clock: 2:20
